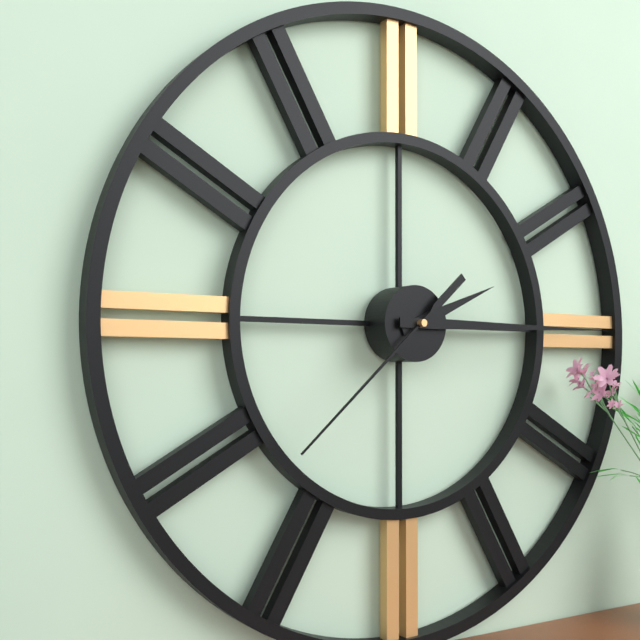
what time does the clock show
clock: 2:15:38
